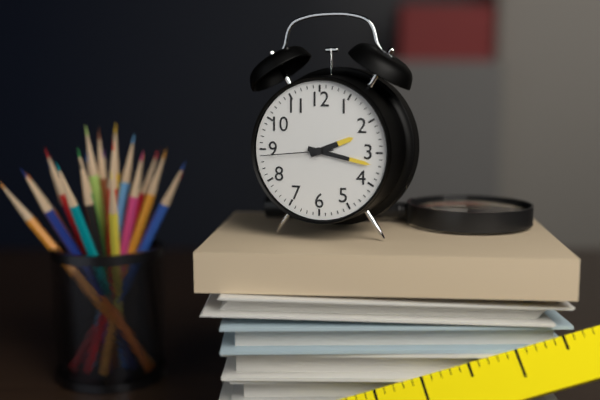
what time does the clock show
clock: 2:17:44
